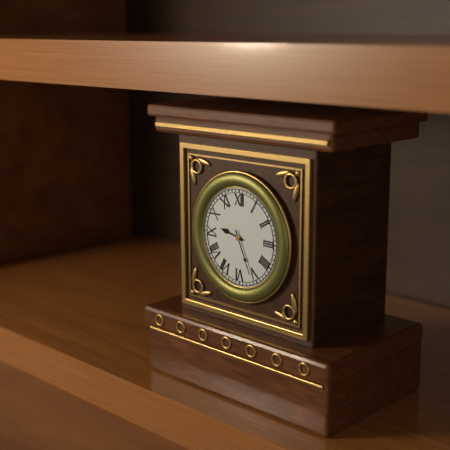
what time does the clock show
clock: 9:26
